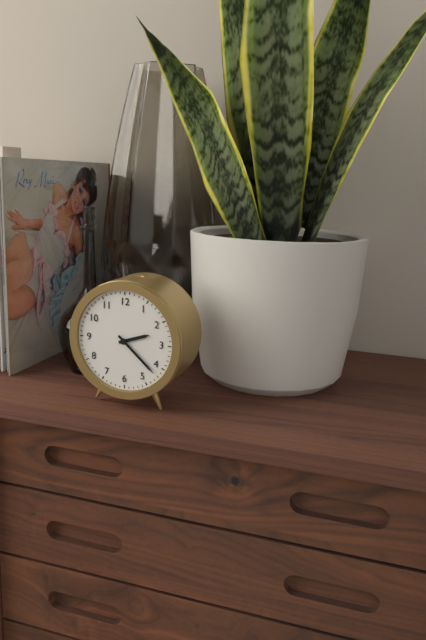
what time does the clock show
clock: 2:22
